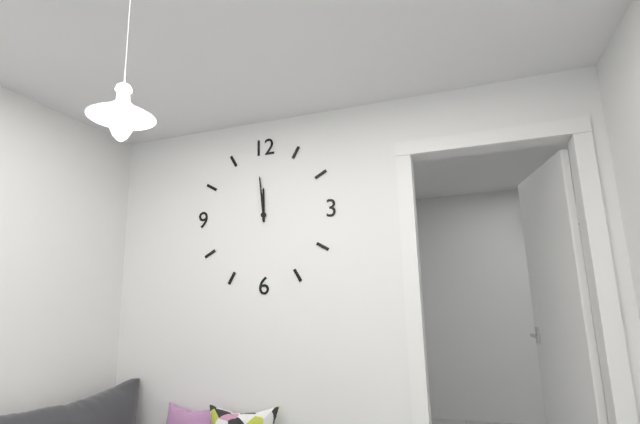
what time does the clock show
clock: 11:59
